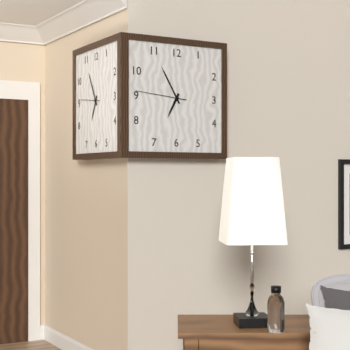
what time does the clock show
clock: 6:55:46
